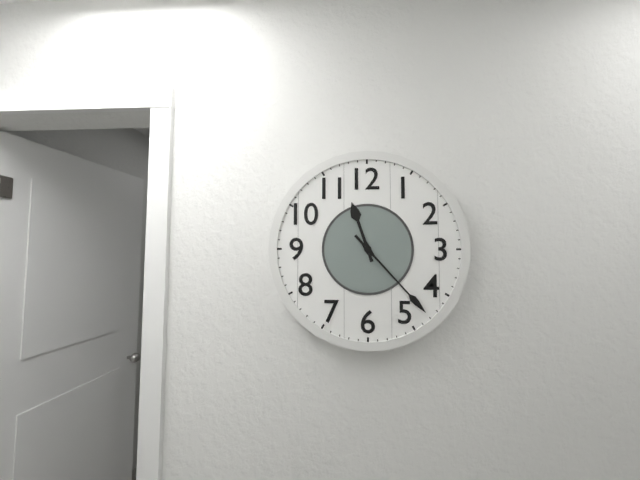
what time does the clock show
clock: 11:23
